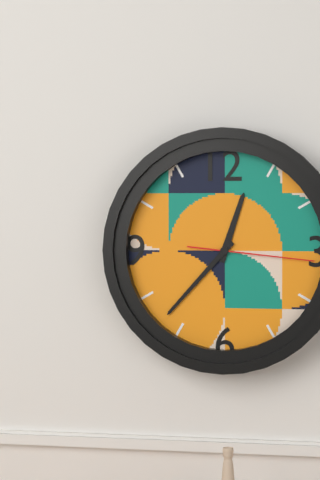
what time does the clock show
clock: 12:37:16
